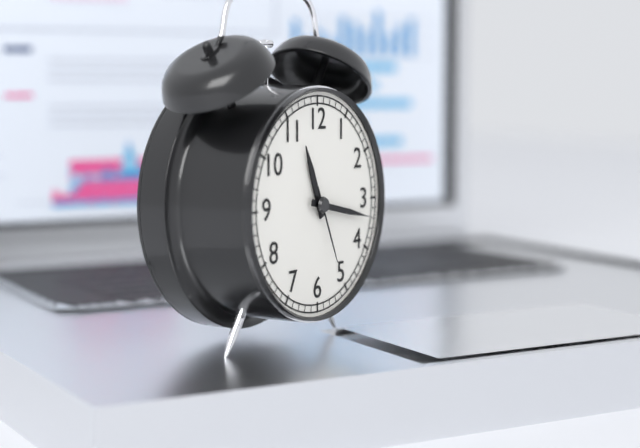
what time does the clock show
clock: 11:17:26
